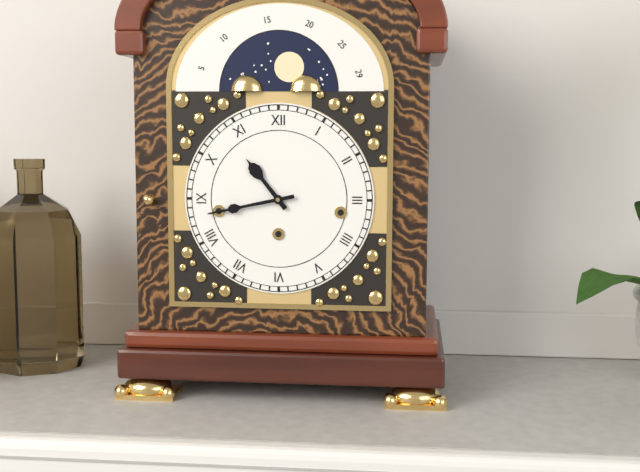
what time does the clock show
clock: 10:43
